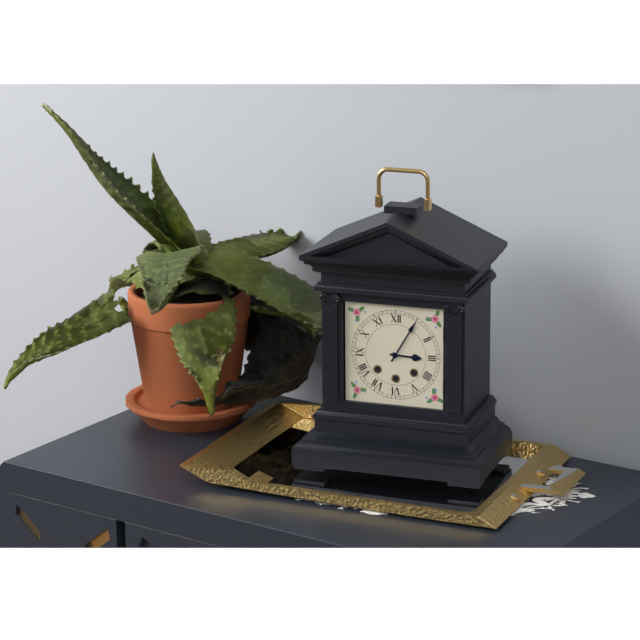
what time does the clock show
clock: 3:05
